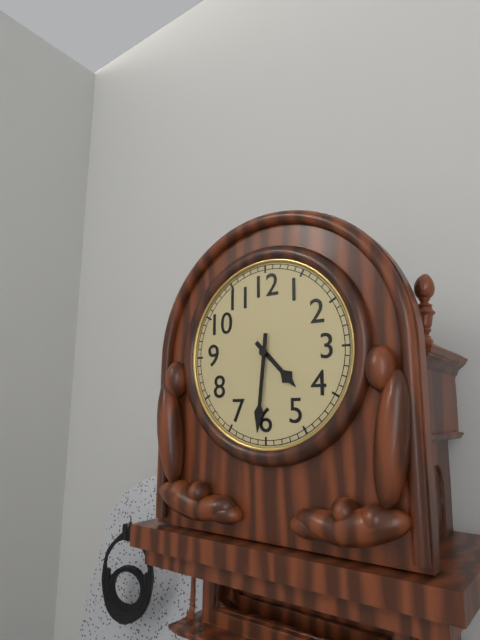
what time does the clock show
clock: 4:31
